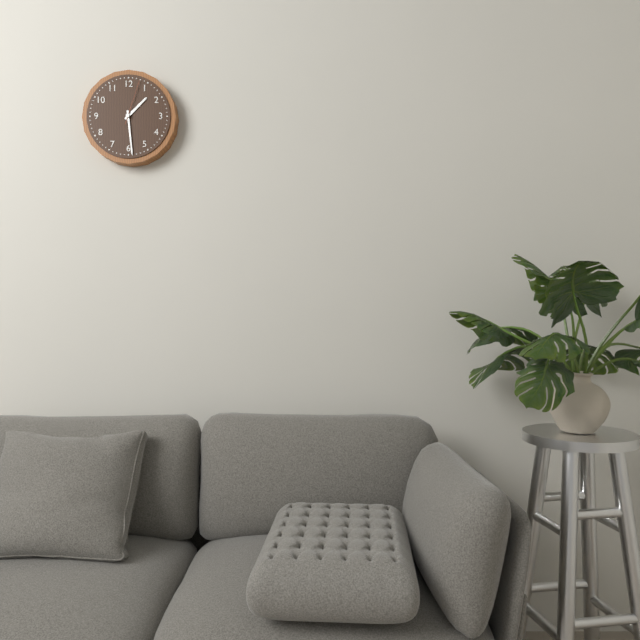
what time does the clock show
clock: 1:29
